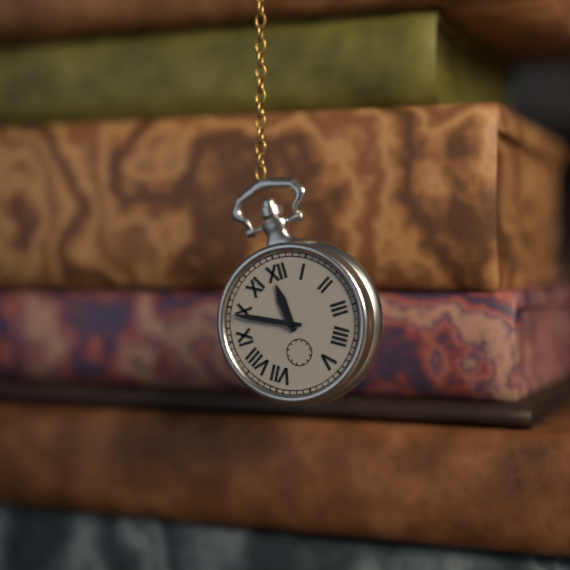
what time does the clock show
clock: 11:49
